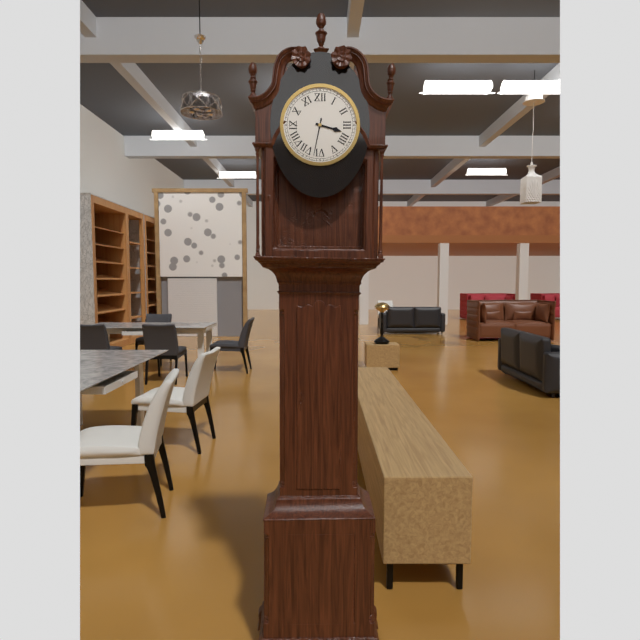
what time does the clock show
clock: 3:32
